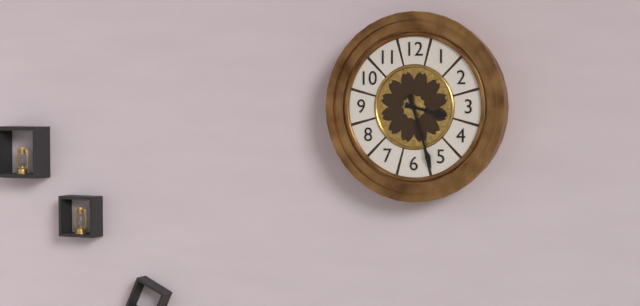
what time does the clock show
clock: 3:27
